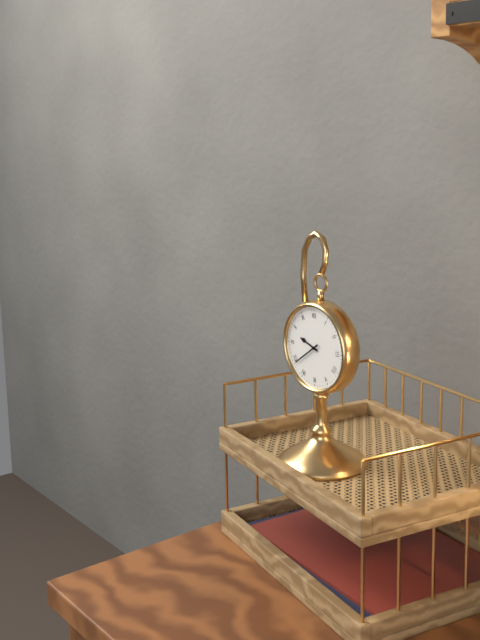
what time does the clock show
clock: 9:39
